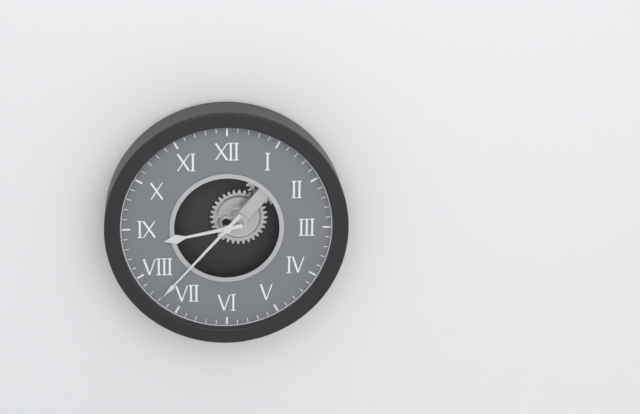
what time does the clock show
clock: 8:37
